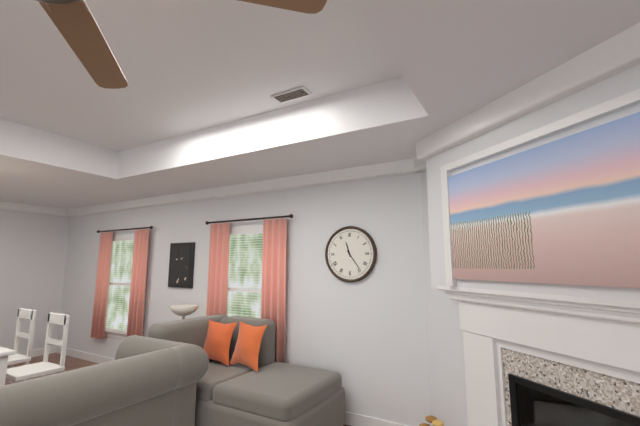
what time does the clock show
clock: 11:24
